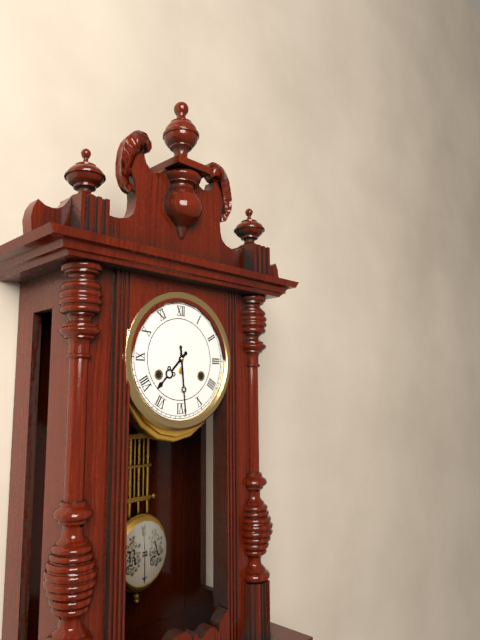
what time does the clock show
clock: 7:29
